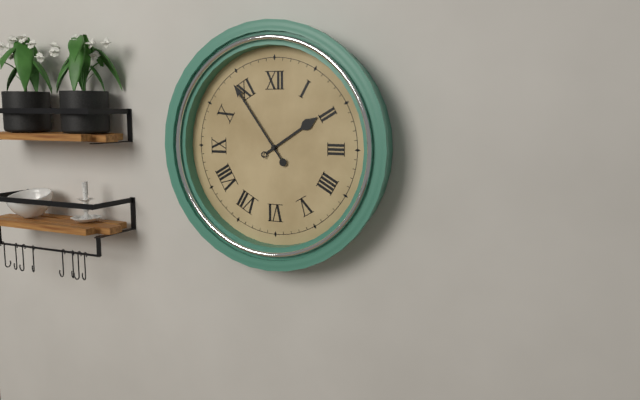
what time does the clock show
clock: 1:54
